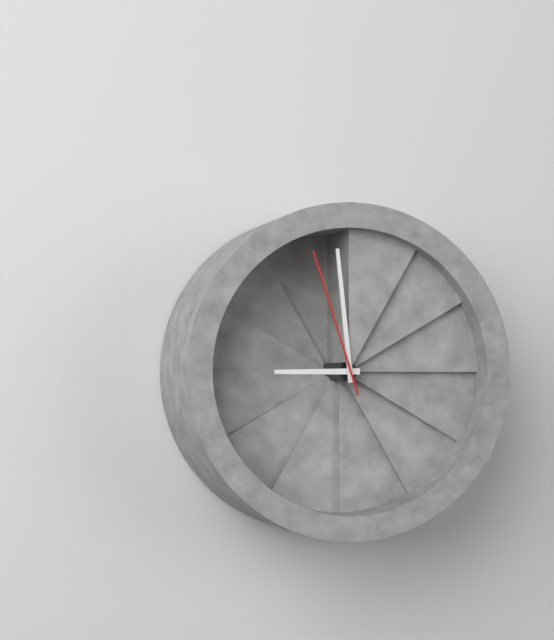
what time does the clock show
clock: 8:59:57
